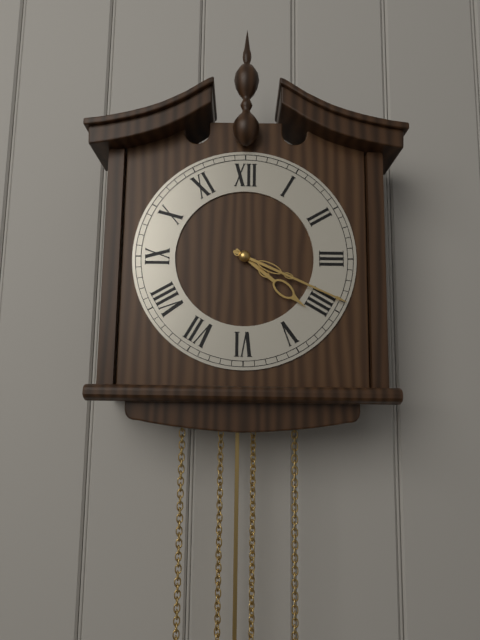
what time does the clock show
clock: 4:19
